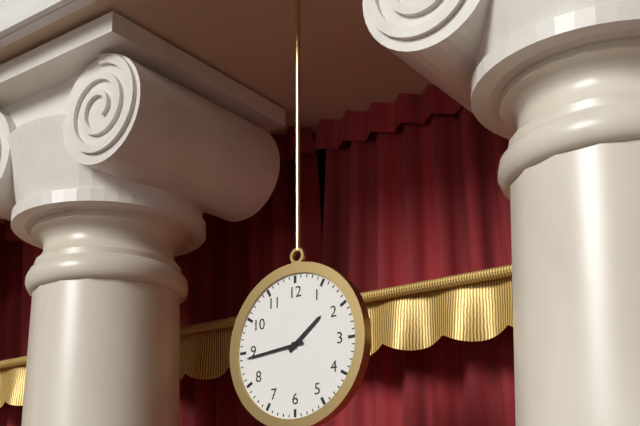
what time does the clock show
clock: 1:44
